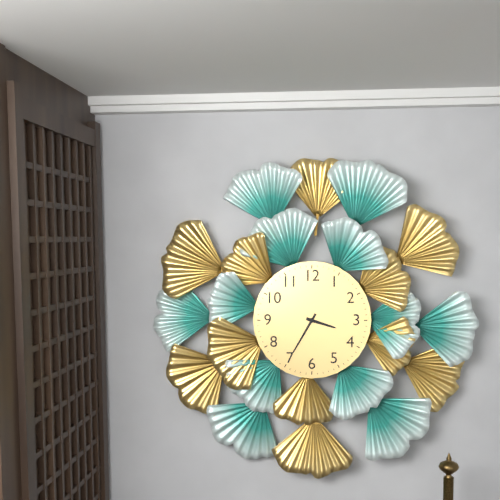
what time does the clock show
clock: 3:35
